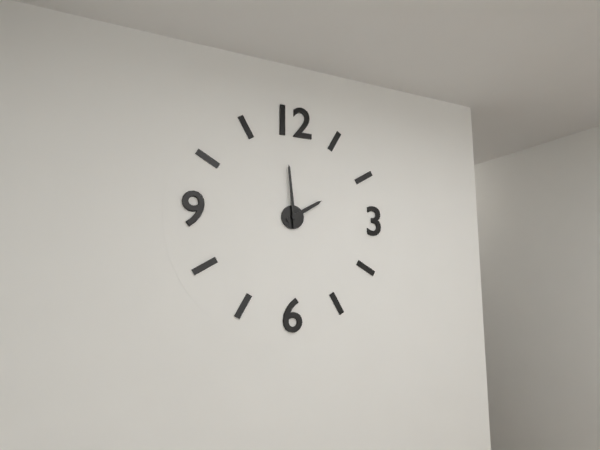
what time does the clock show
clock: 1:59
